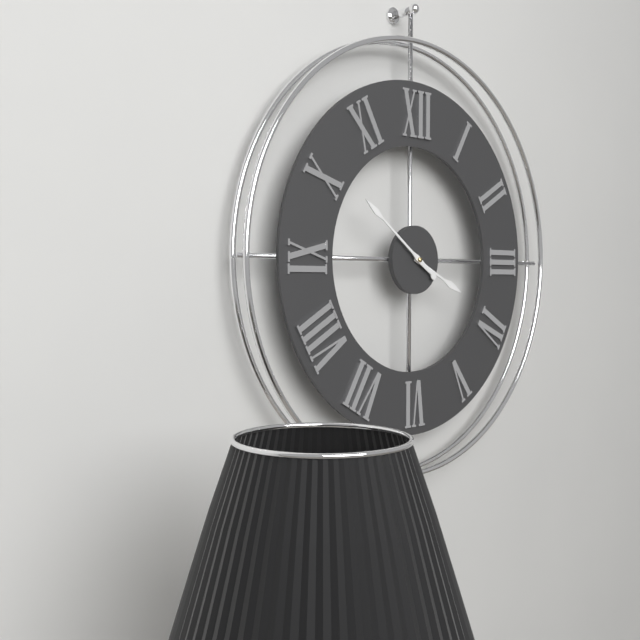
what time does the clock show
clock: 3:51
